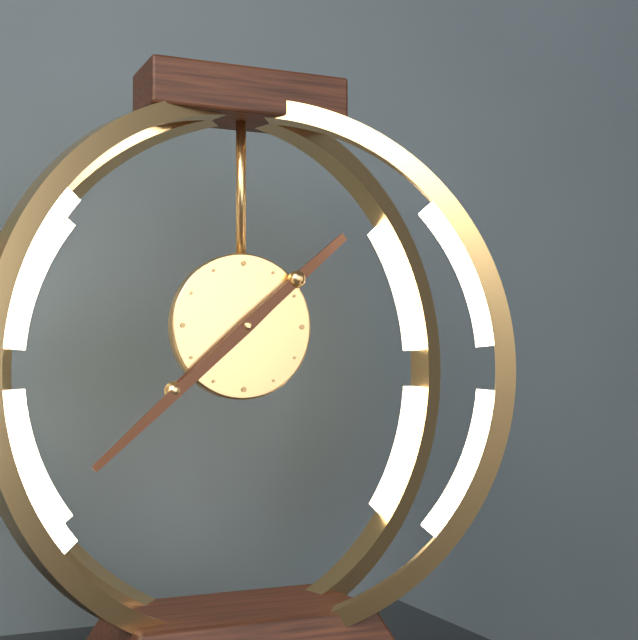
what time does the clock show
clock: 1:38
